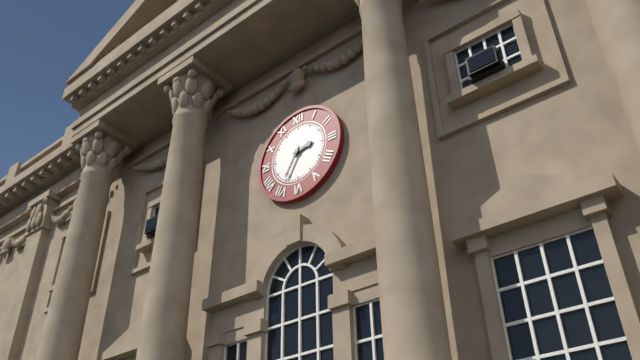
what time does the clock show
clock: 2:35
